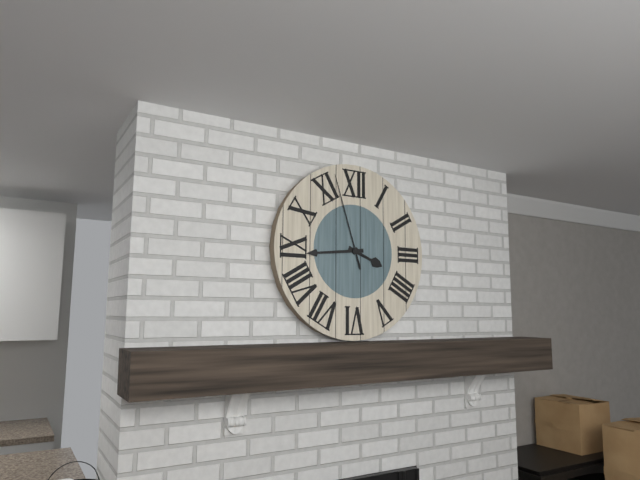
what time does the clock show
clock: 3:44:57
